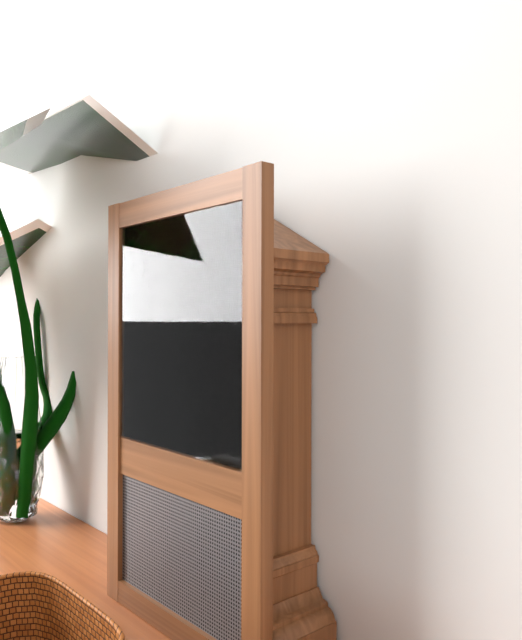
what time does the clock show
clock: 3:27
